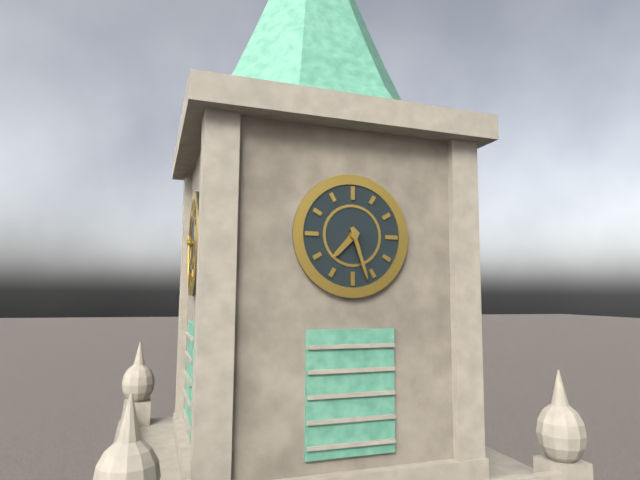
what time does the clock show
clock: 7:27
